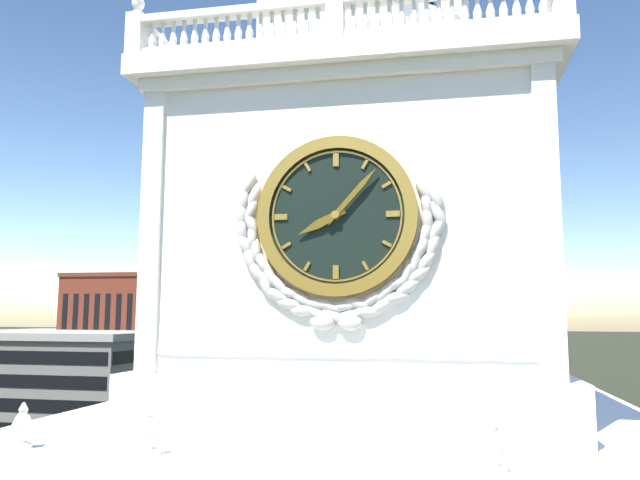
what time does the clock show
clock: 8:07
